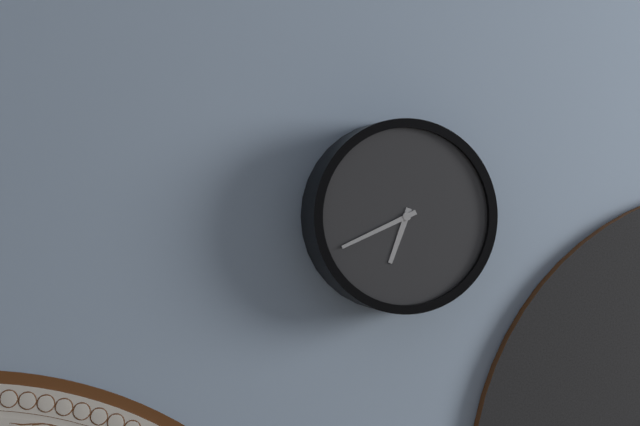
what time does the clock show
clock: 6:41
